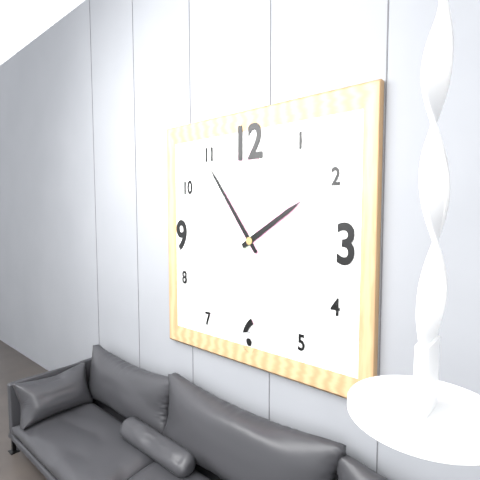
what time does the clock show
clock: 1:54
